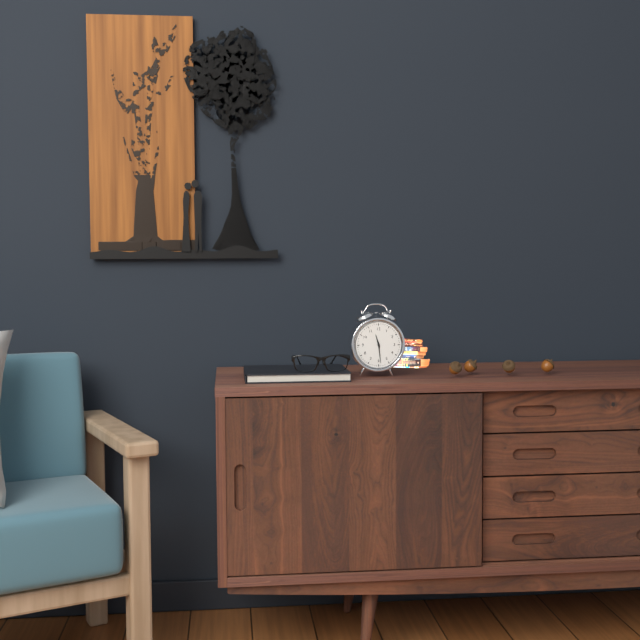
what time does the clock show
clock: 11:29
